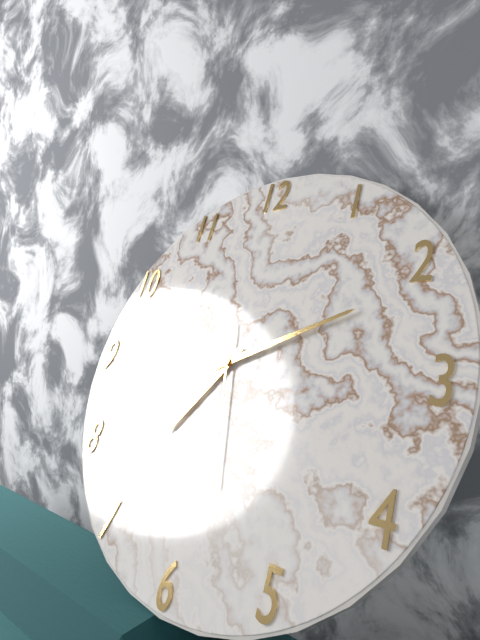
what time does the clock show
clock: 7:11:28
